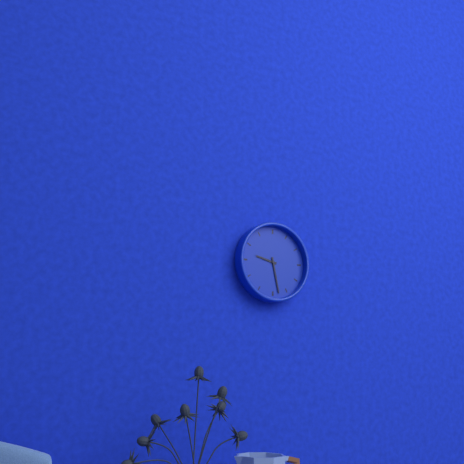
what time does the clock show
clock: 9:28
